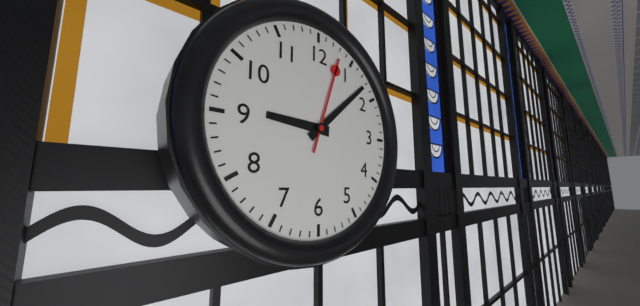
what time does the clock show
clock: 9:08:03
